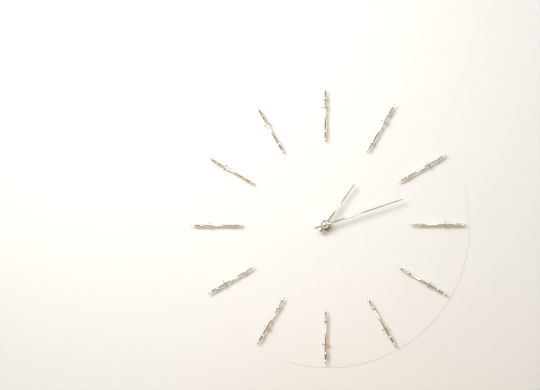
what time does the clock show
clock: 1:12
